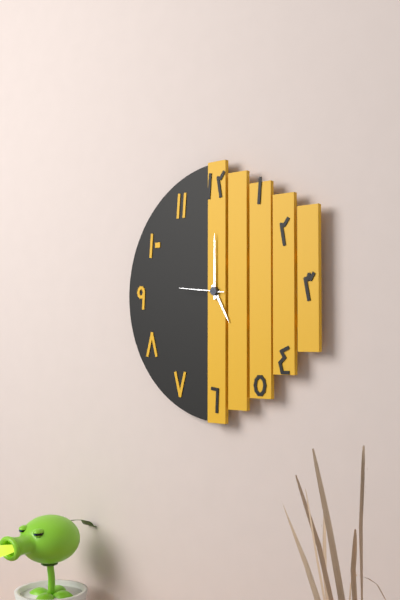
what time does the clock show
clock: 5:00:46
